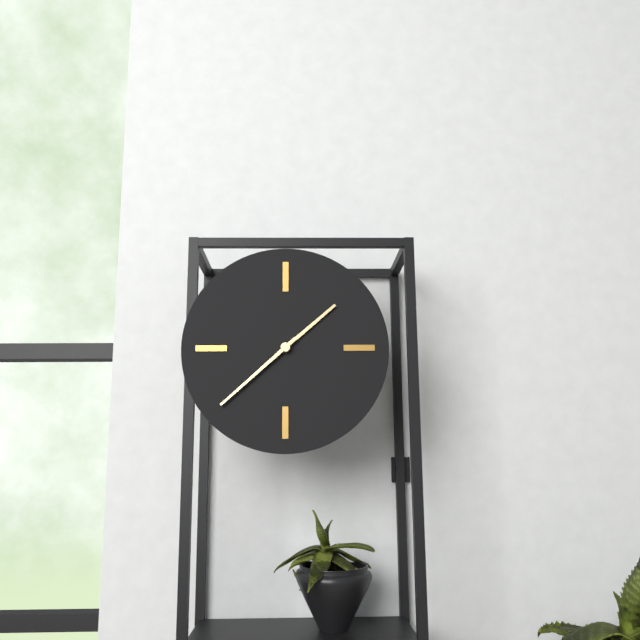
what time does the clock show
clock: 1:38
